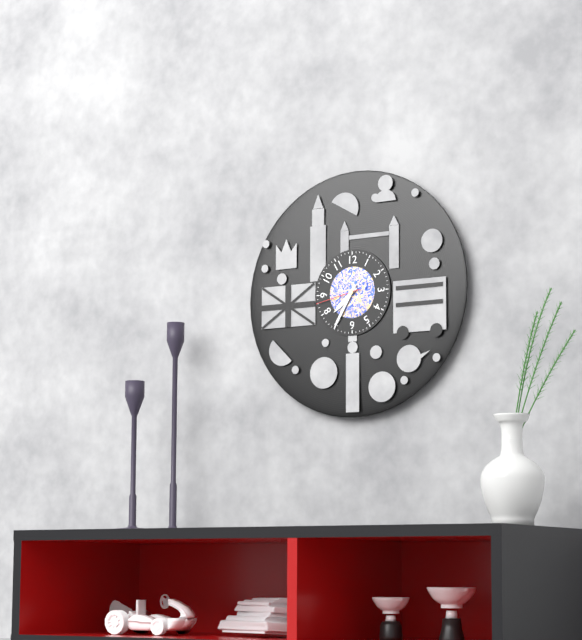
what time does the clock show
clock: 7:35
